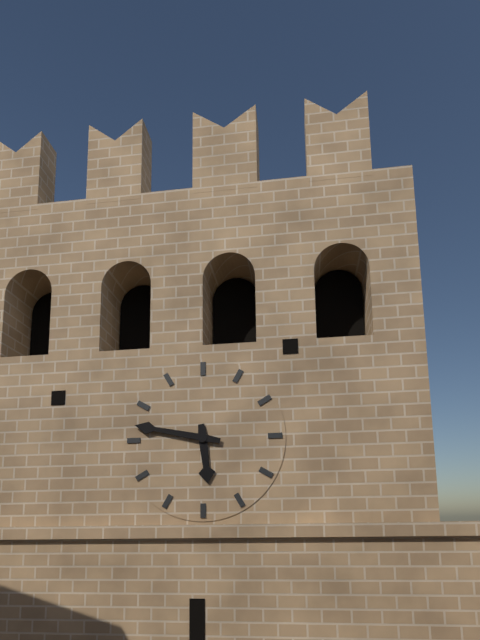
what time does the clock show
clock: 5:47
